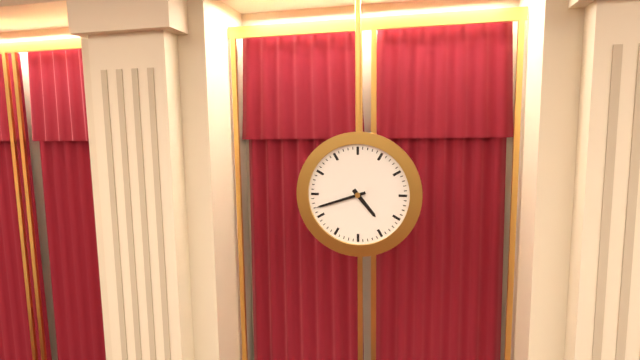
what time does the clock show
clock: 4:42
